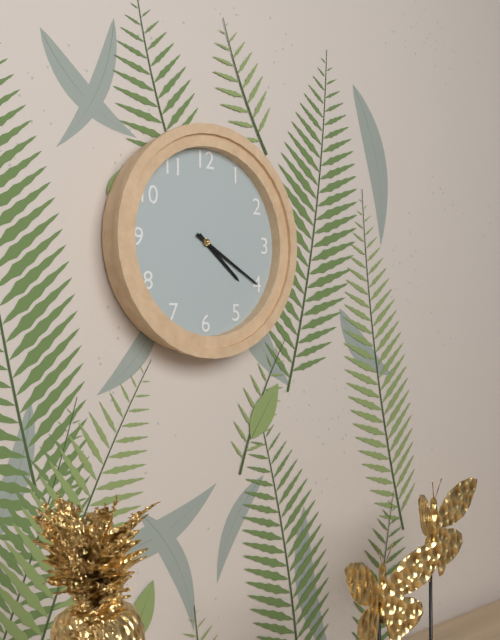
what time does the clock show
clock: 4:20
